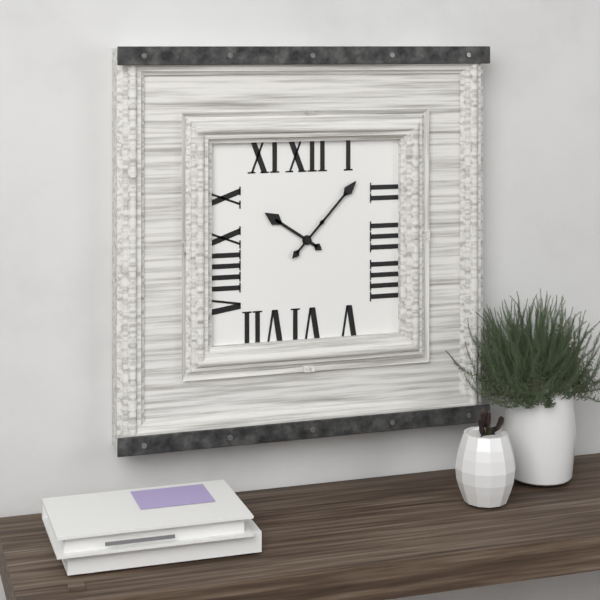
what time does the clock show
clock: 10:07
